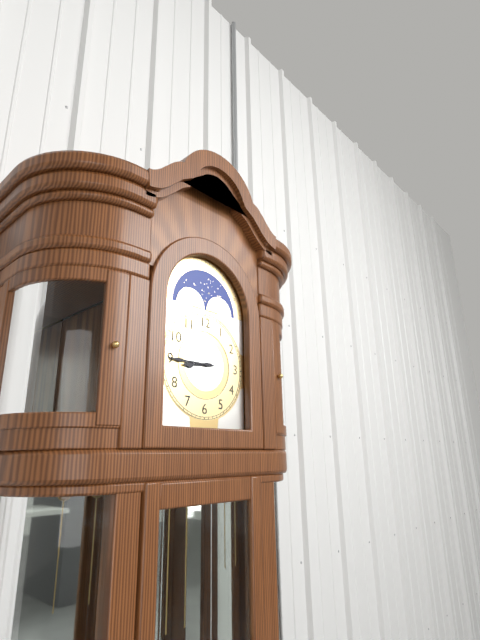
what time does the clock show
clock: 8:45
